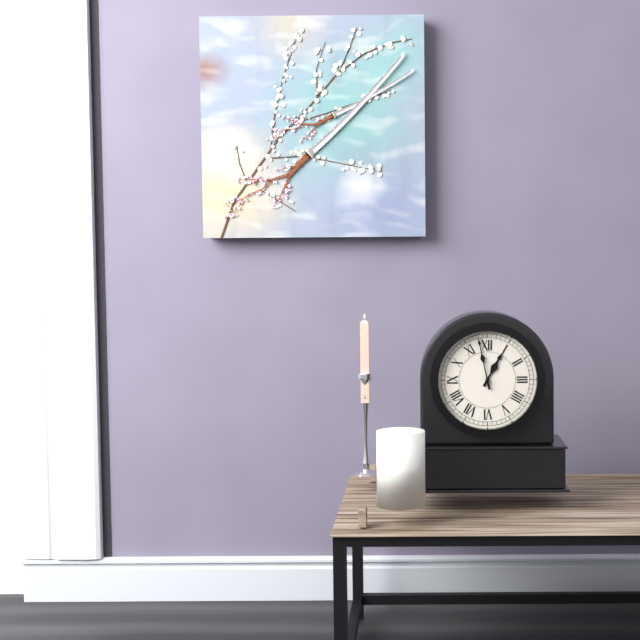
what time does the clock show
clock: 12:58
